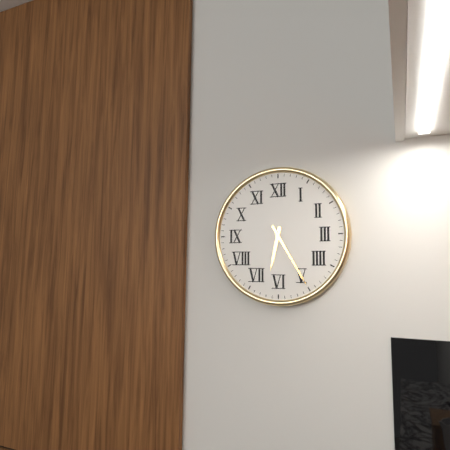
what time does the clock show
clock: 6:25
